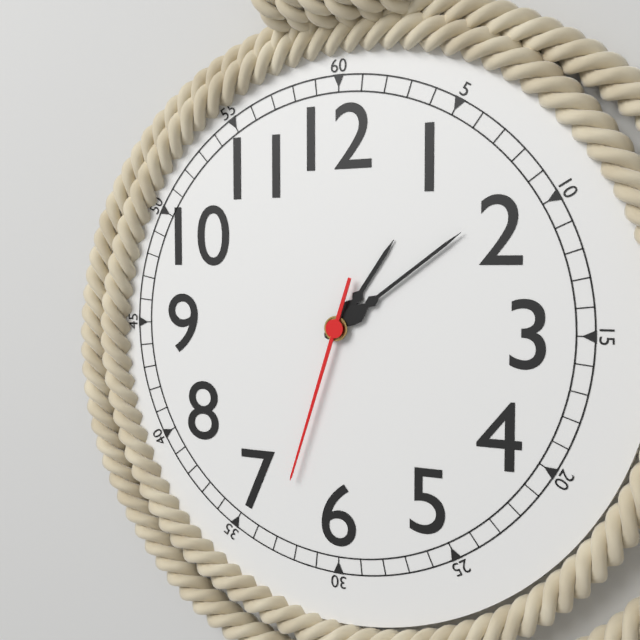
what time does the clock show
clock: 1:09:33
